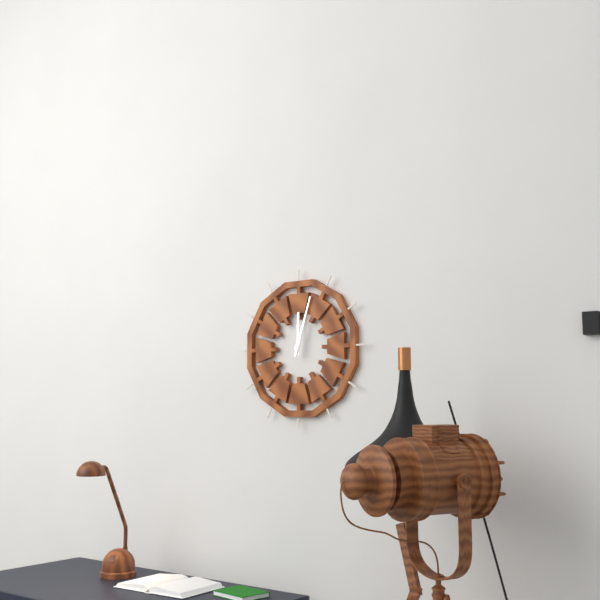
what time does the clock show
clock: 12:03
